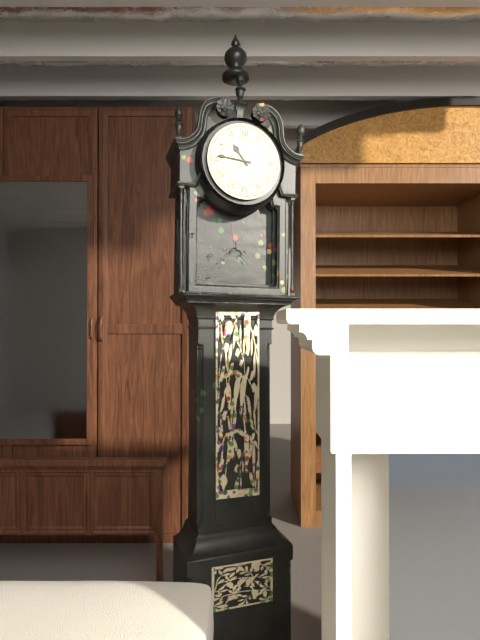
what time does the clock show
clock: 10:46
